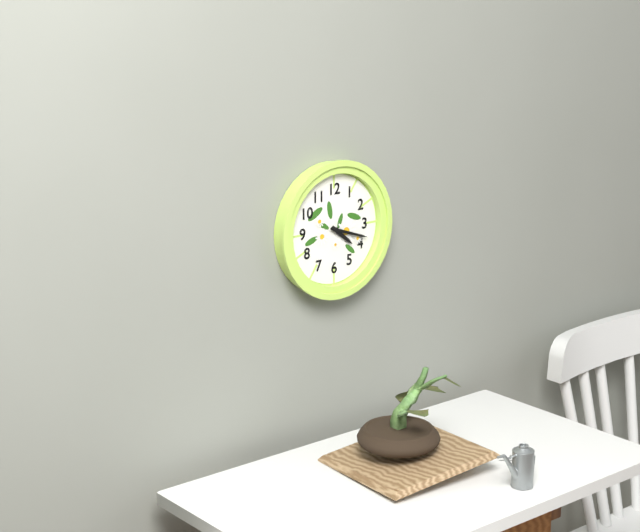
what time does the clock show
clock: 4:18
